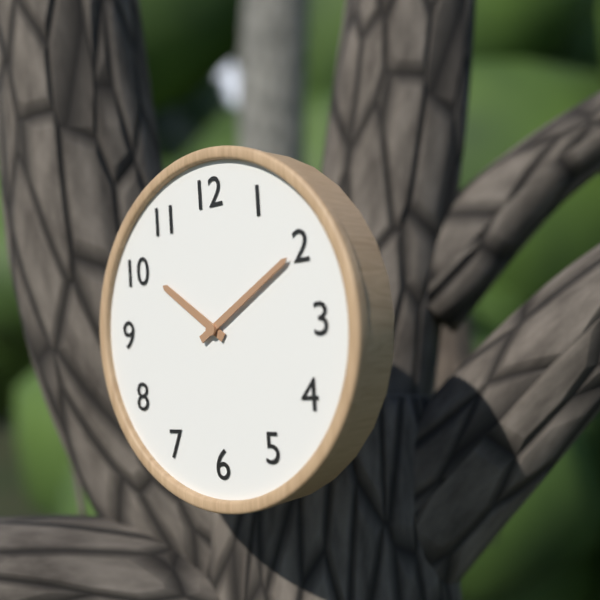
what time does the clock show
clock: 10:10
